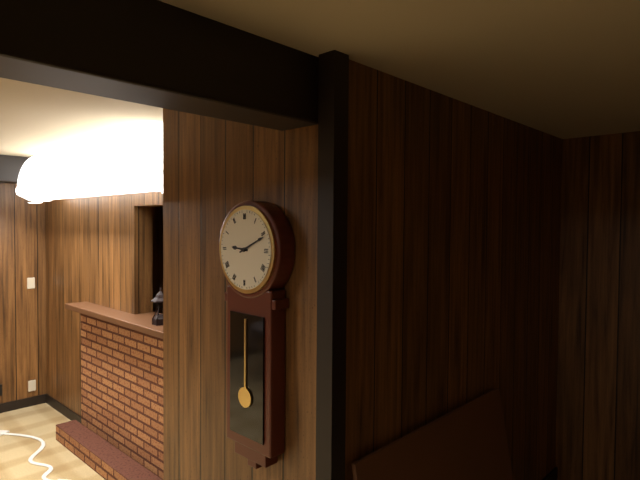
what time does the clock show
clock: 9:11
